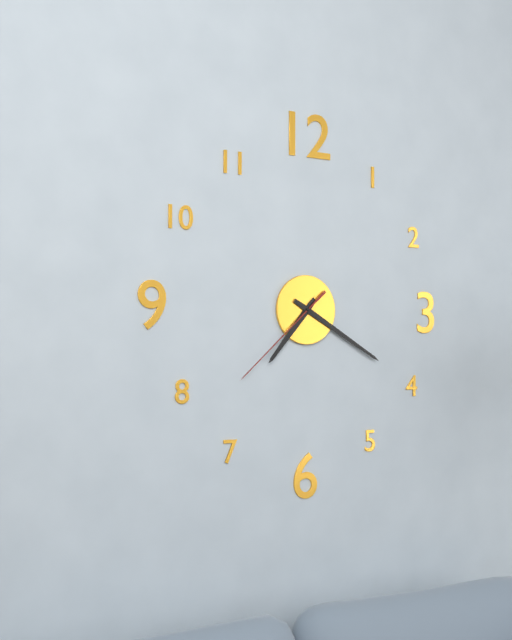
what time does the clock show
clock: 7:20:38
